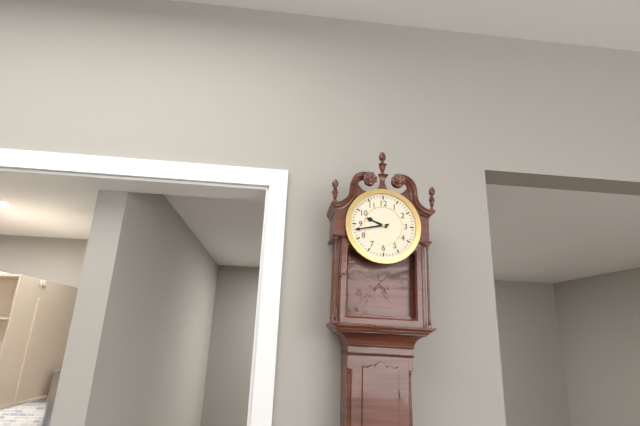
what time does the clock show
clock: 9:43
